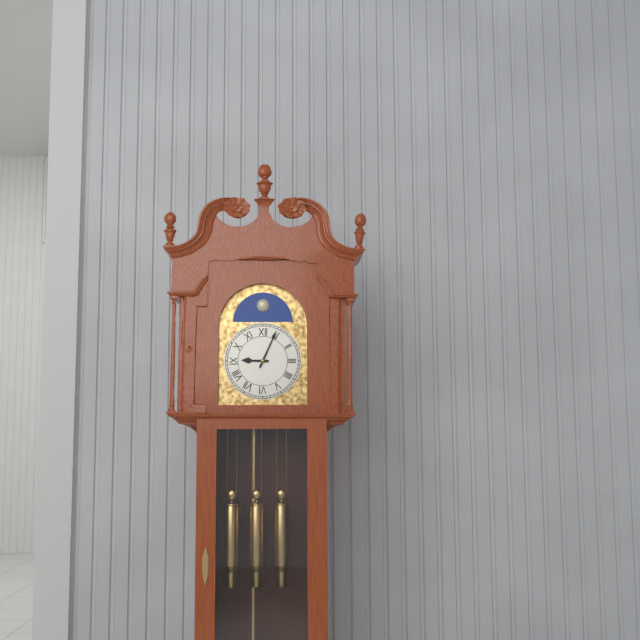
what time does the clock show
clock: 9:04
